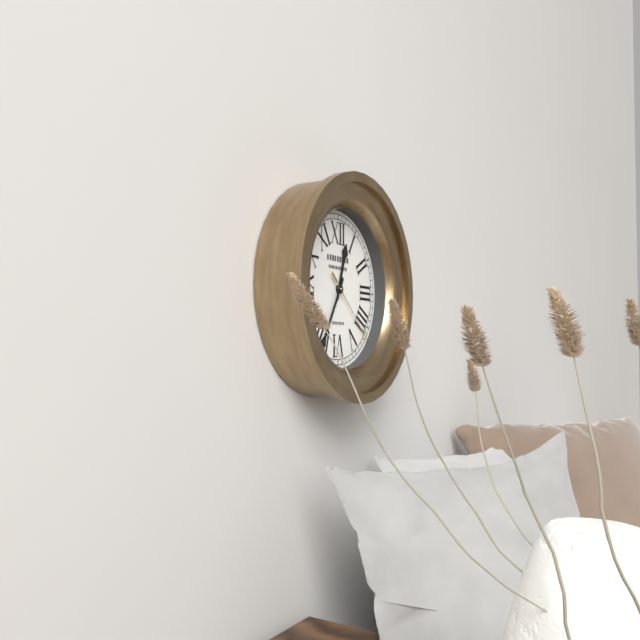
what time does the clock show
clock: 12:35:22
